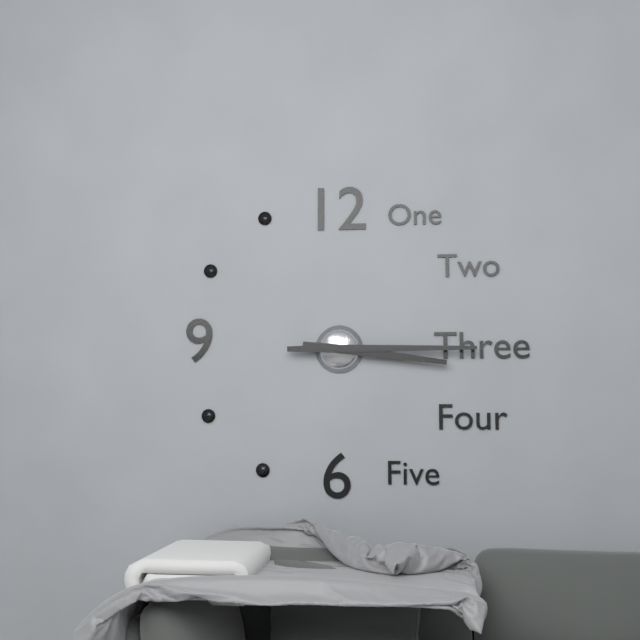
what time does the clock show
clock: 3:15
